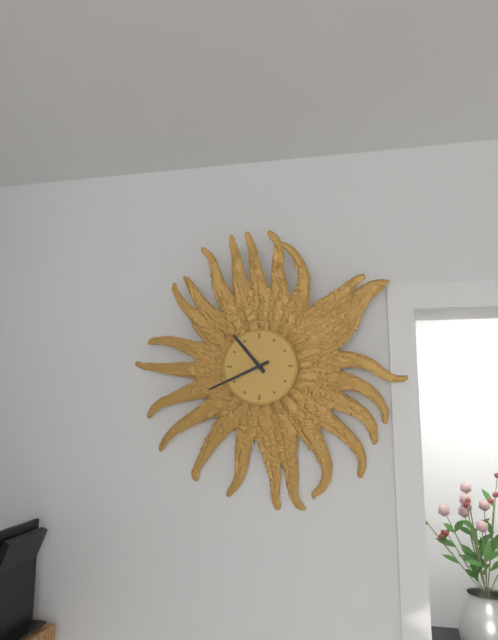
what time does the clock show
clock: 10:41
